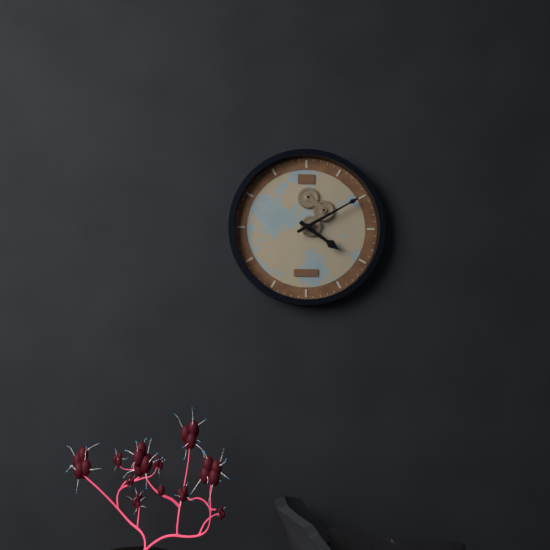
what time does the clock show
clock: 4:10
